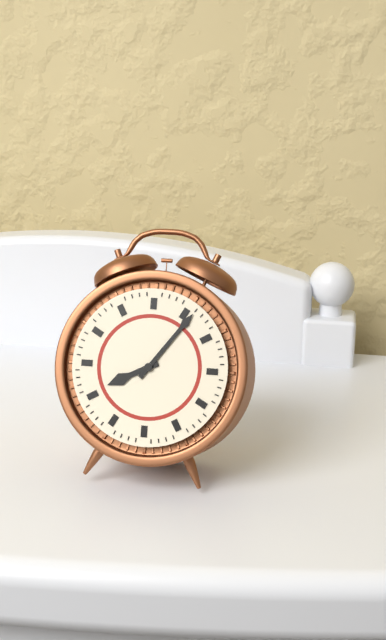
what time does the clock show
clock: 8:06
